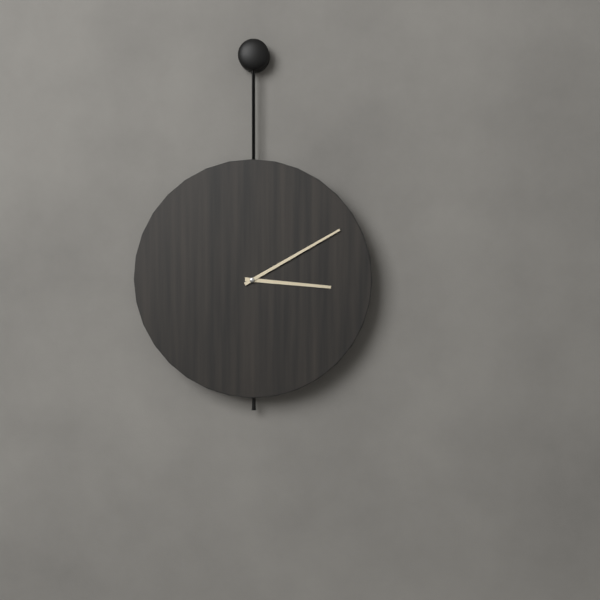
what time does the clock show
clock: 3:10
